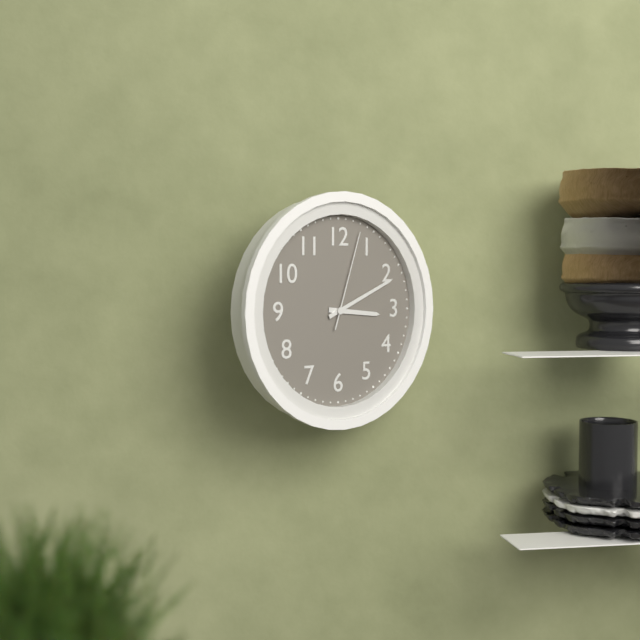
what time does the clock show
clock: 3:11:03
